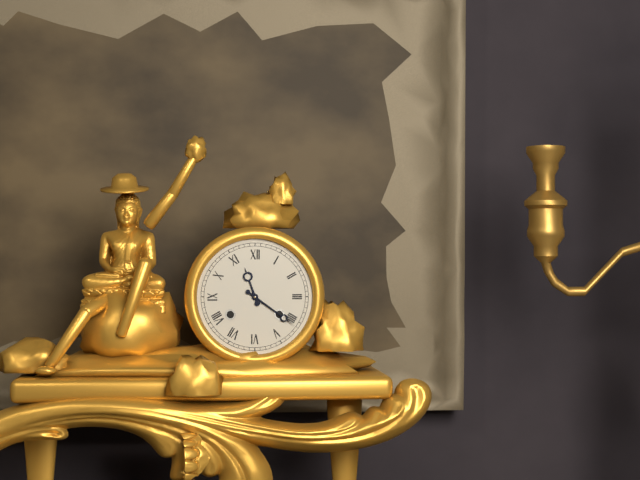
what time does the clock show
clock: 11:21
